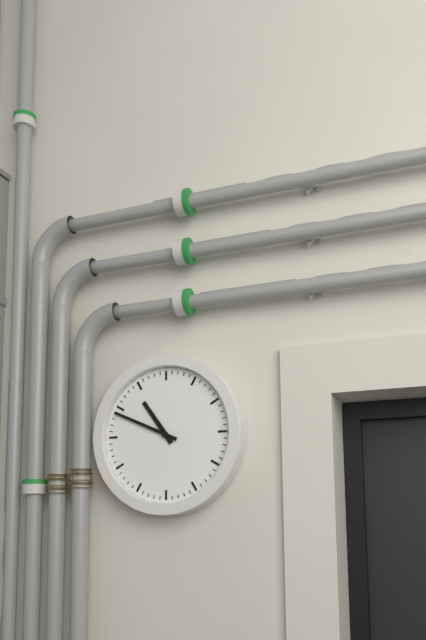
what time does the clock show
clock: 10:49
